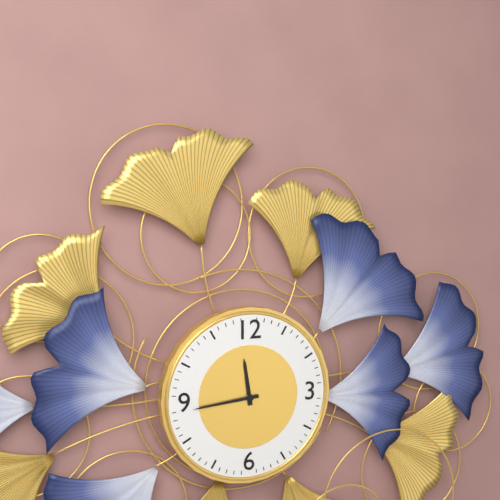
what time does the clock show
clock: 11:44
